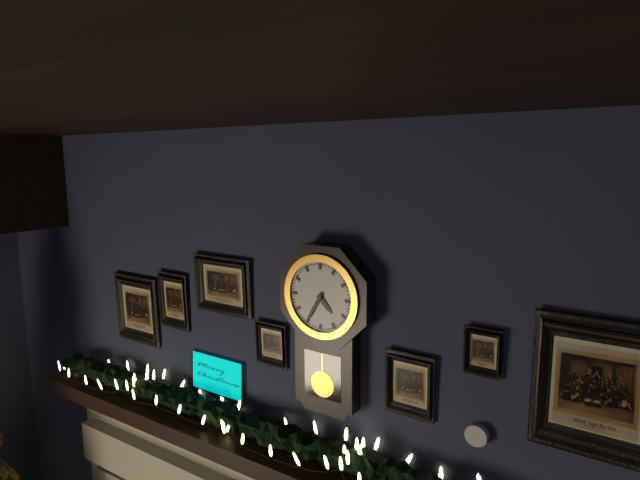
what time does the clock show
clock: 4:35
